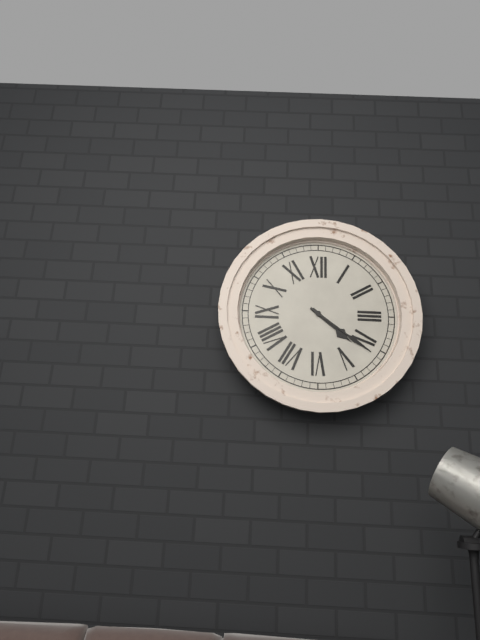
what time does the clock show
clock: 4:21
